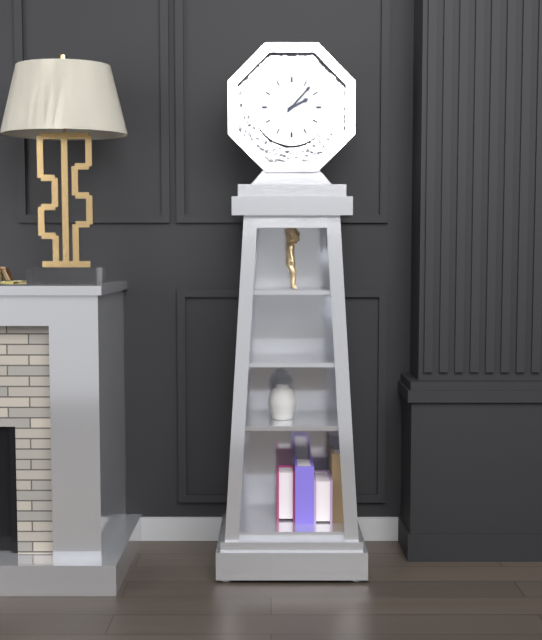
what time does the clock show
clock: 2:07
